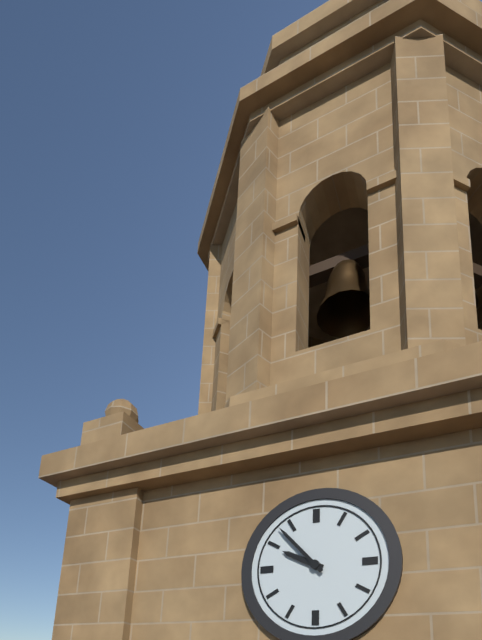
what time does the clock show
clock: 9:53
